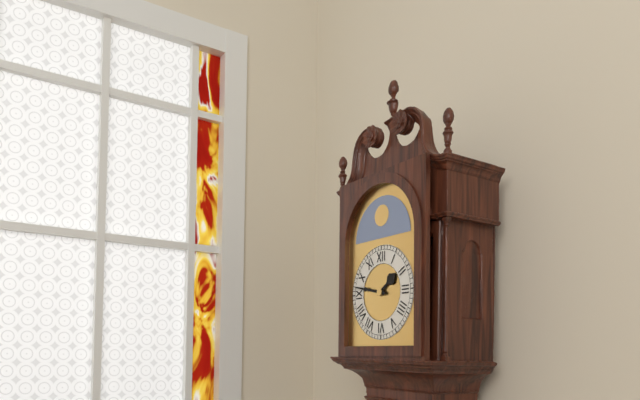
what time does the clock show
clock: 1:47
